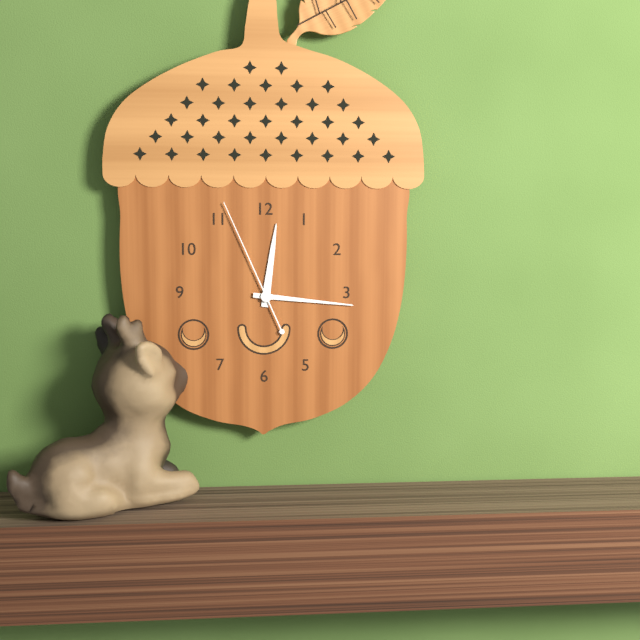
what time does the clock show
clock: 12:16:56
